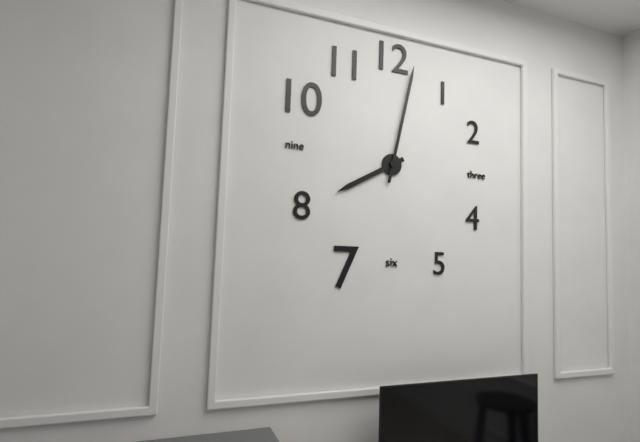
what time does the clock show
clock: 8:02
